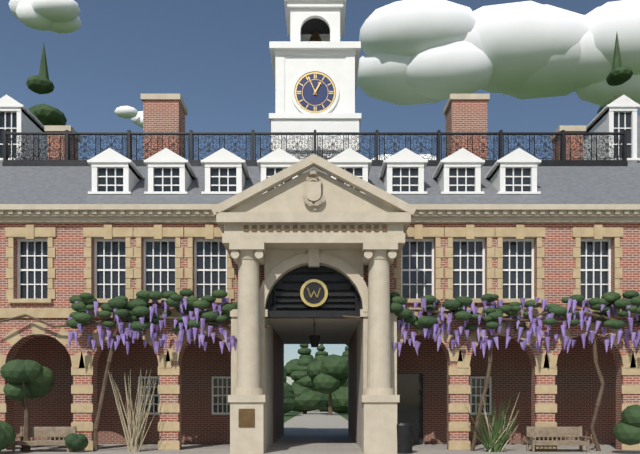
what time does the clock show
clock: 12:56
